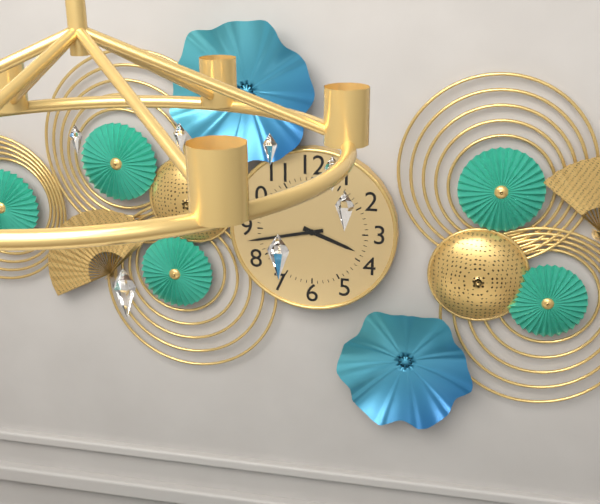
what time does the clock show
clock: 3:43
